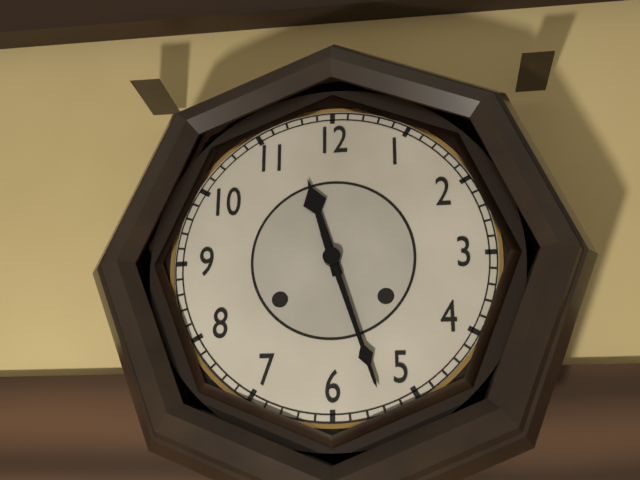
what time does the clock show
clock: 11:27
